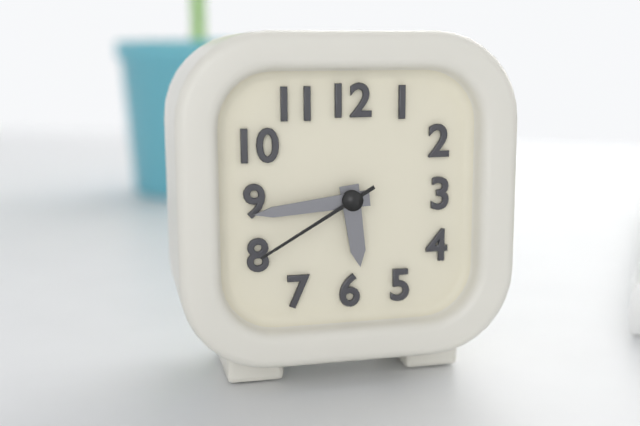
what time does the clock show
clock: 5:44:40
